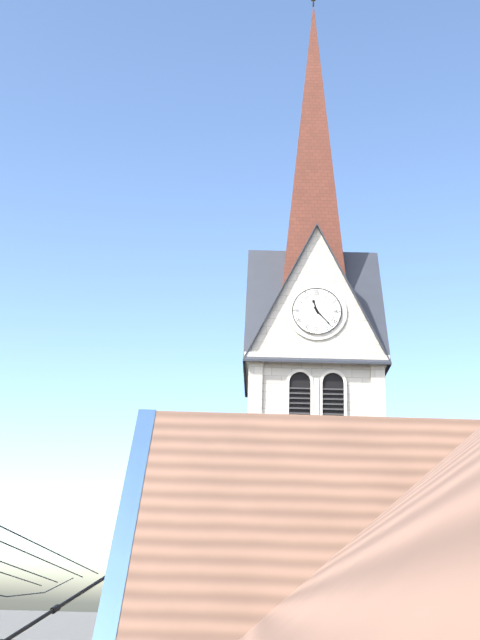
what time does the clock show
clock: 11:23
